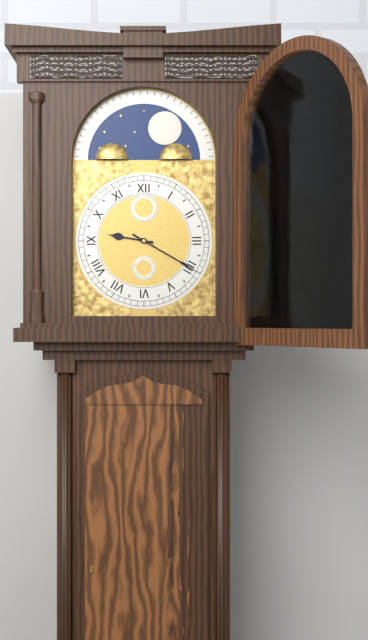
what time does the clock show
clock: 9:20
